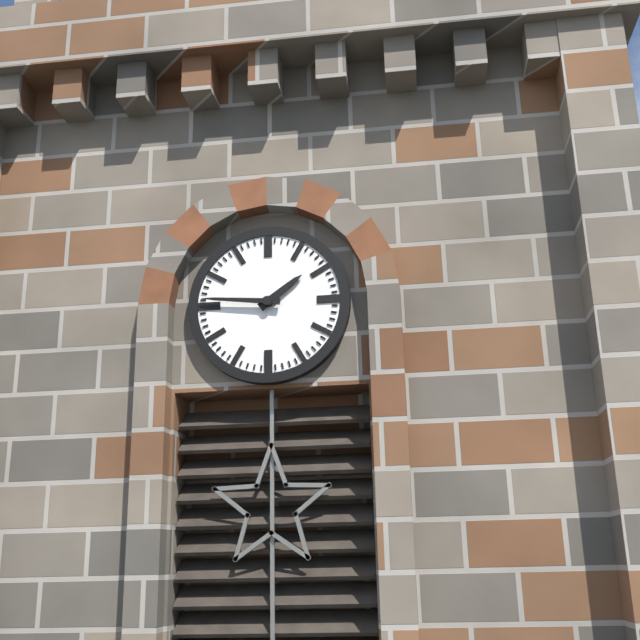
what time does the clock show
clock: 1:46
